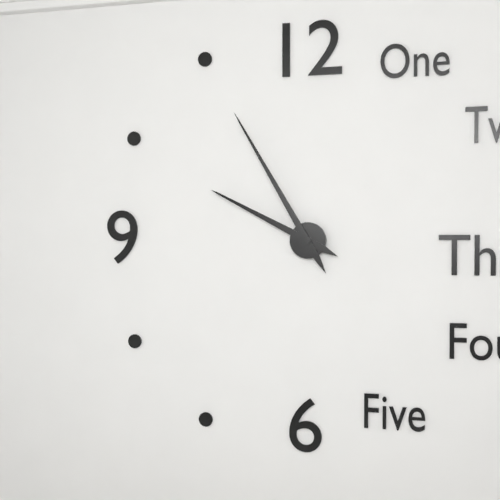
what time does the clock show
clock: 9:55
